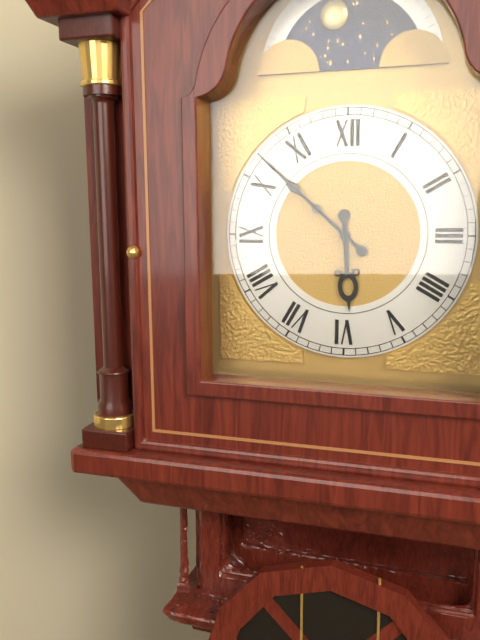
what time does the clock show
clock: 5:52
